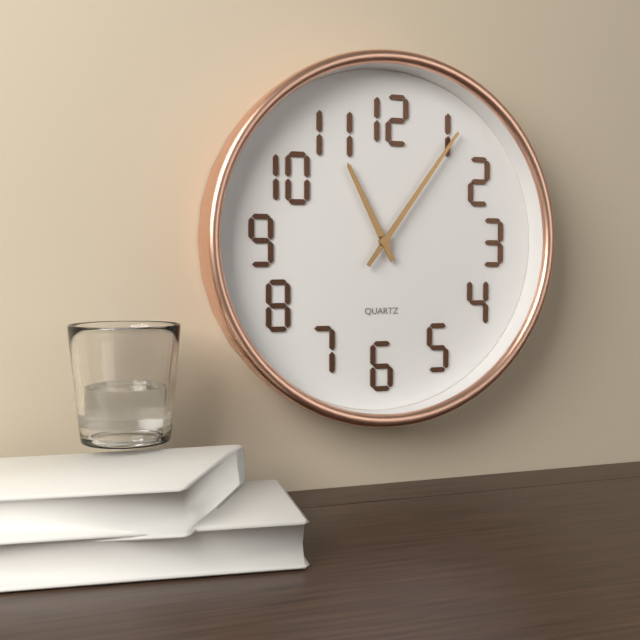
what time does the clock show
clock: 11:06
